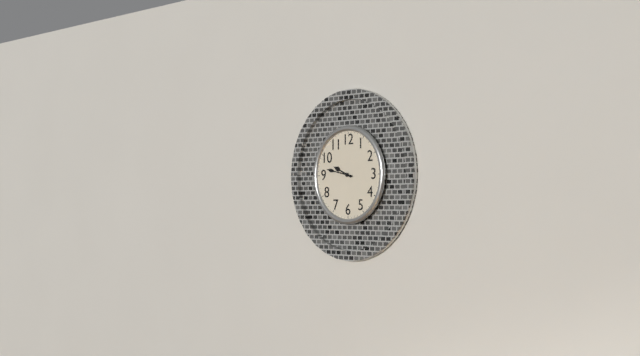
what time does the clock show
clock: 9:47
